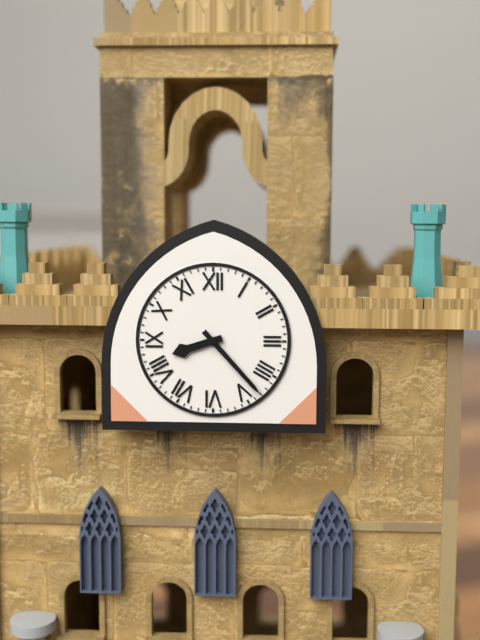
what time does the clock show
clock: 8:23
